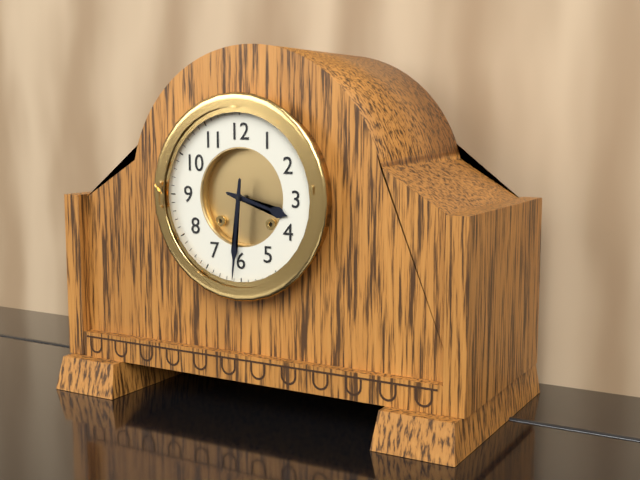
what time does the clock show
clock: 3:31
